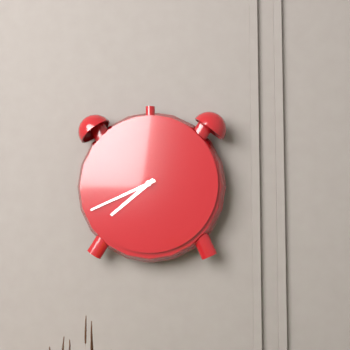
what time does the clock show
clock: 7:41
